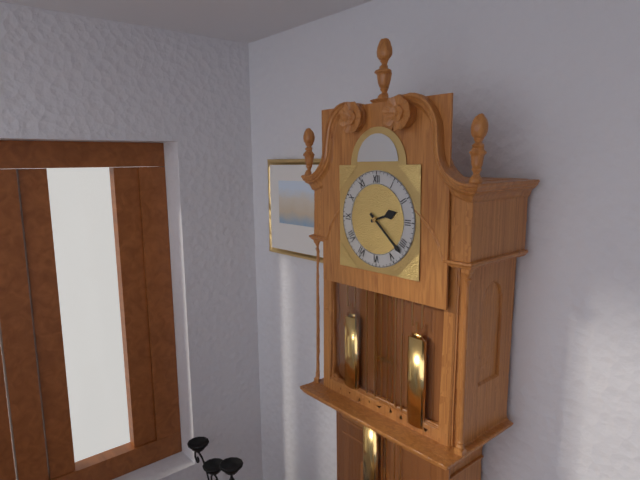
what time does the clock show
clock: 2:22
